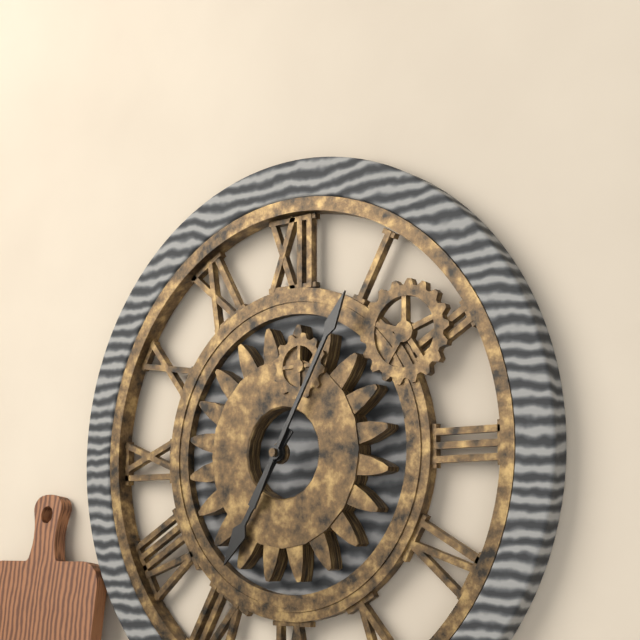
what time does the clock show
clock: 7:05
